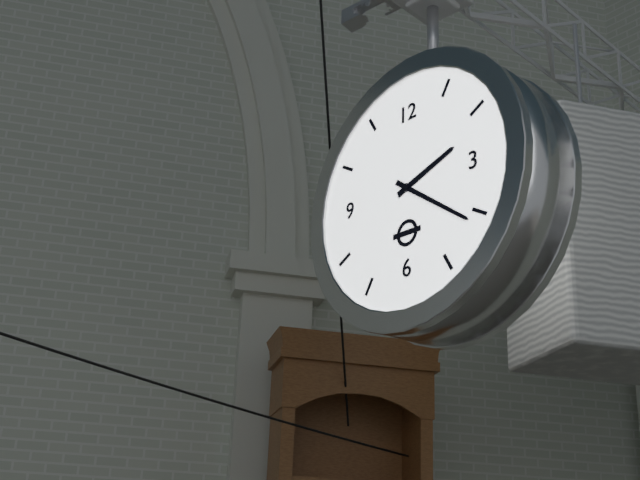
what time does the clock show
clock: 2:21
